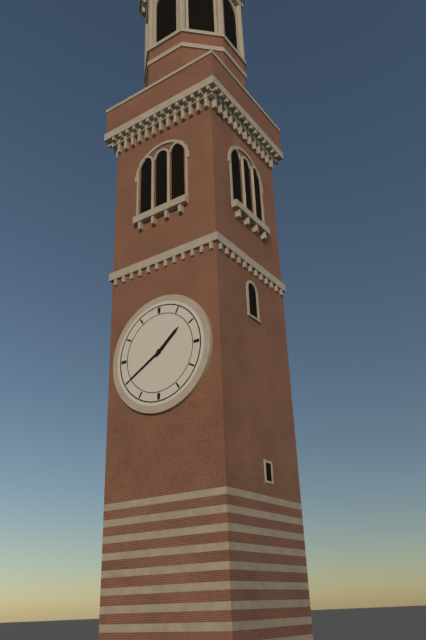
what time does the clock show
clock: 1:40
